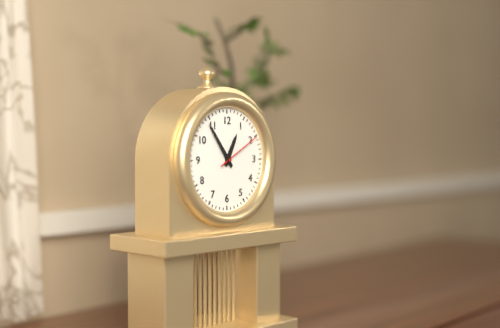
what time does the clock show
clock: 12:54
